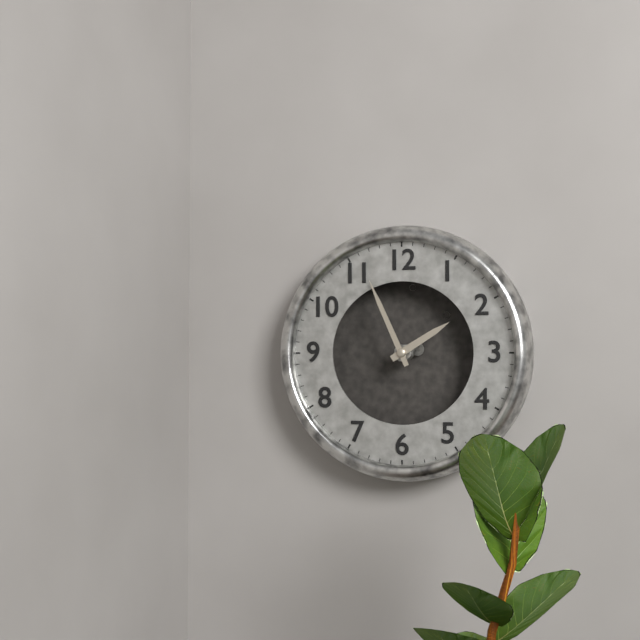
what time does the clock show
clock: 1:56
